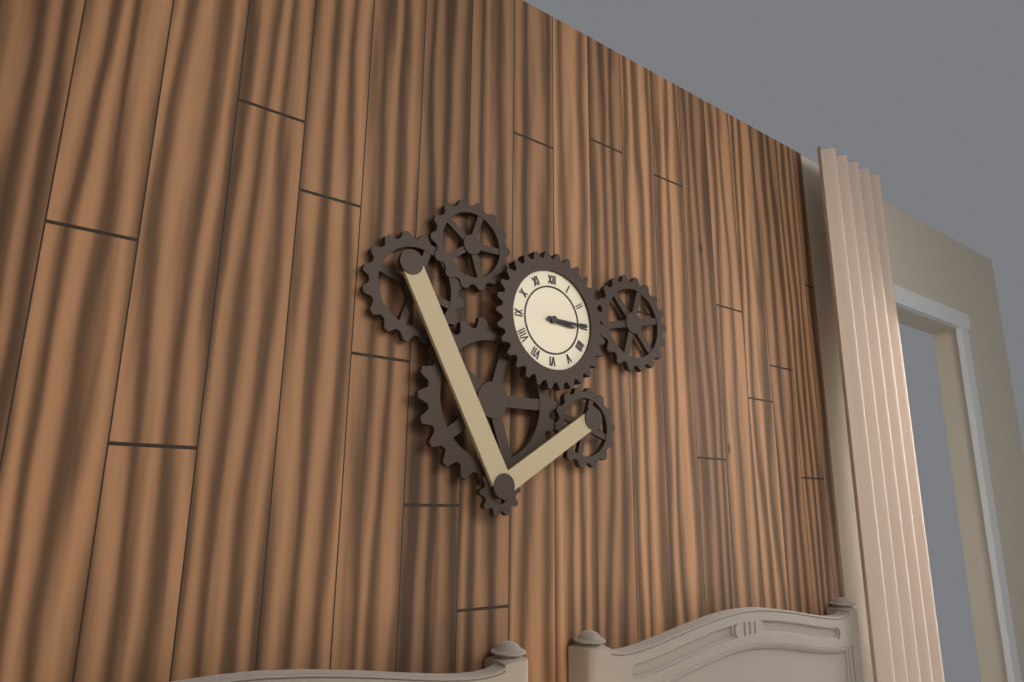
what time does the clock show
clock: 3:15
